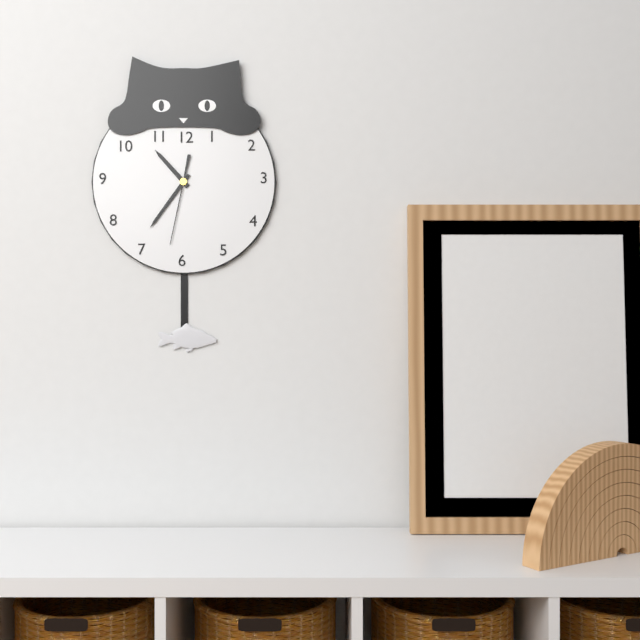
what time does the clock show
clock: 10:36:32
